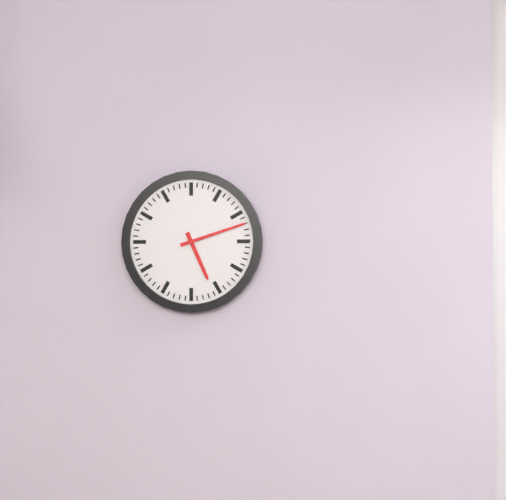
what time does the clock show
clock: 5:12
